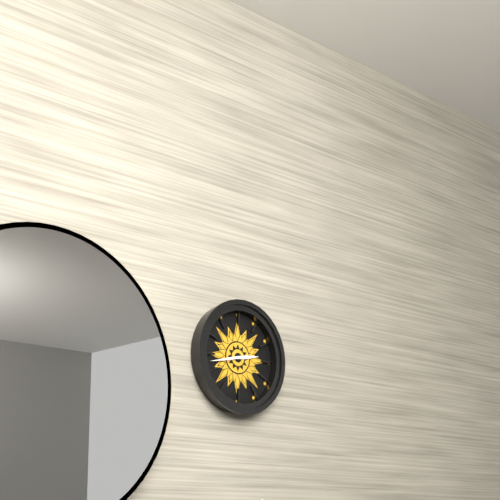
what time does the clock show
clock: 2:43
